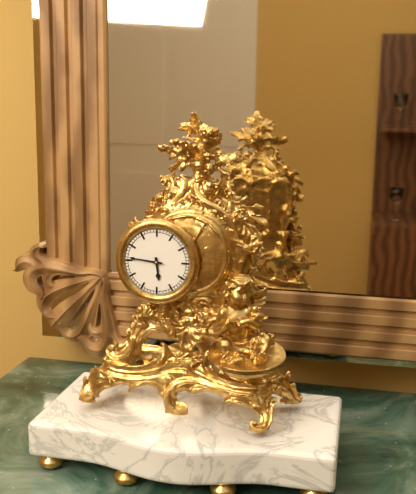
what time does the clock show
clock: 5:46
